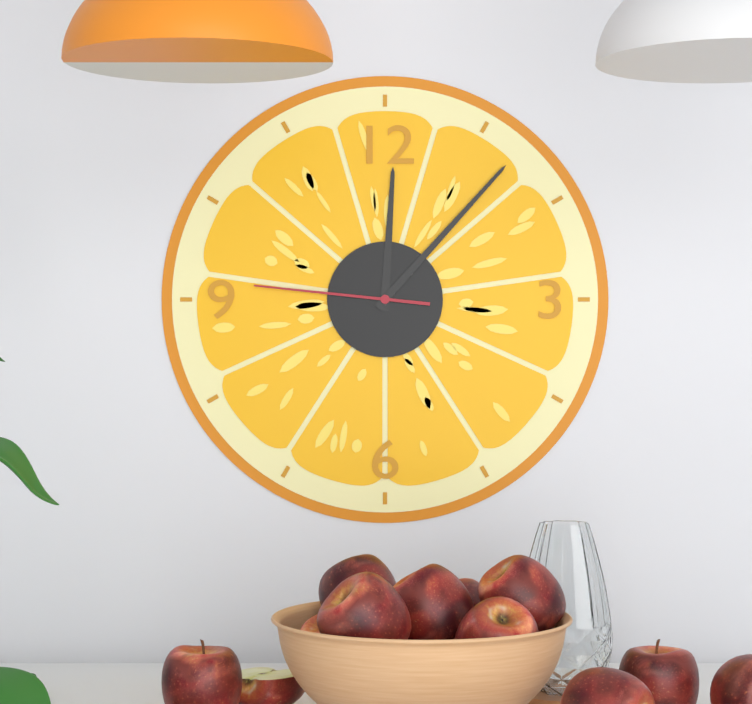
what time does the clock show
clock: 12:07:46
